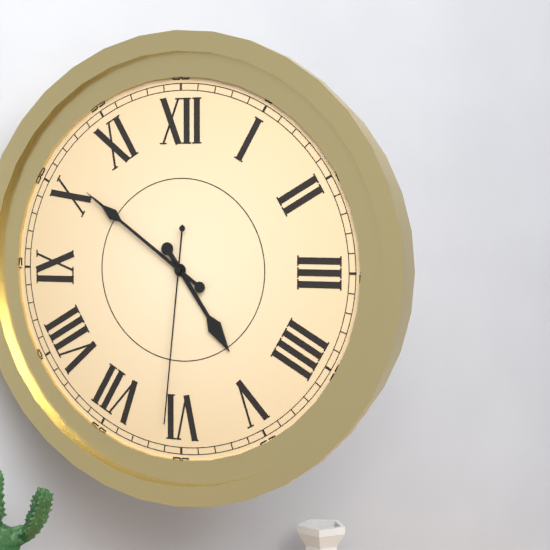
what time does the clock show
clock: 4:51:31
